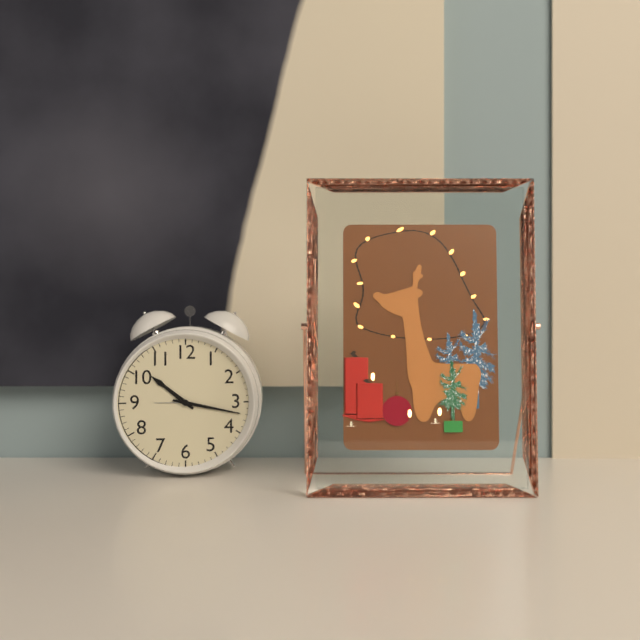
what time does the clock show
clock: 10:17
